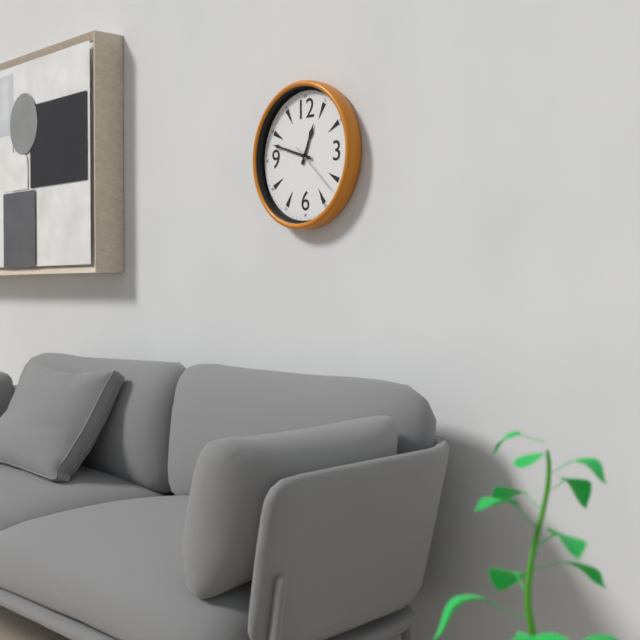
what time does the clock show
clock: 12:48:22
